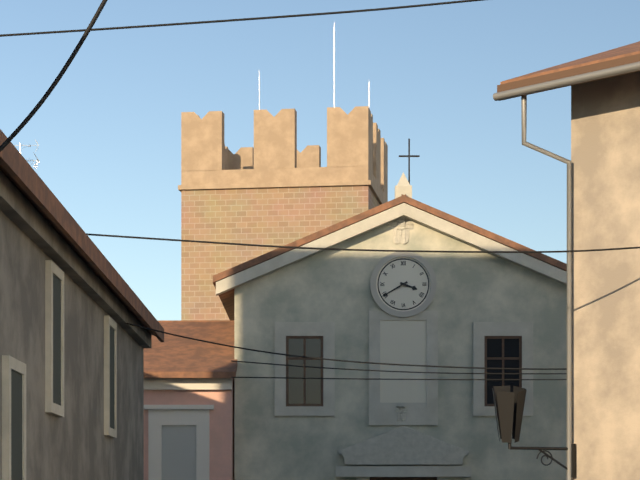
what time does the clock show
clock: 3:40
